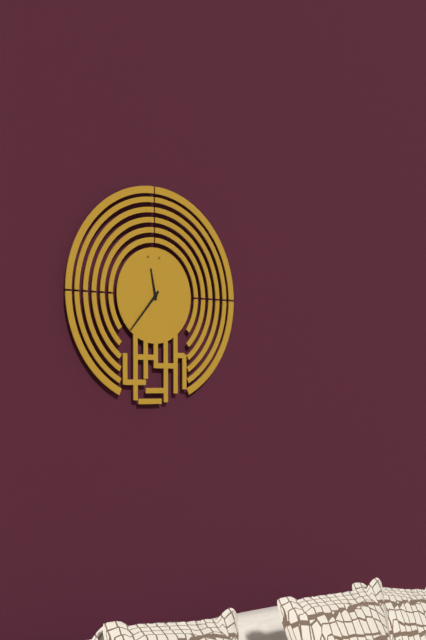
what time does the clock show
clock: 11:37
